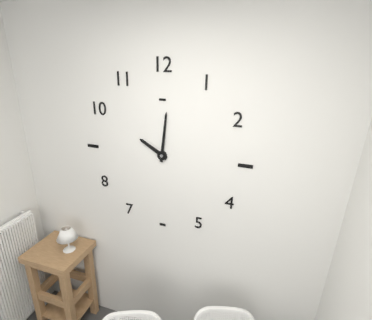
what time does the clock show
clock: 10:01
